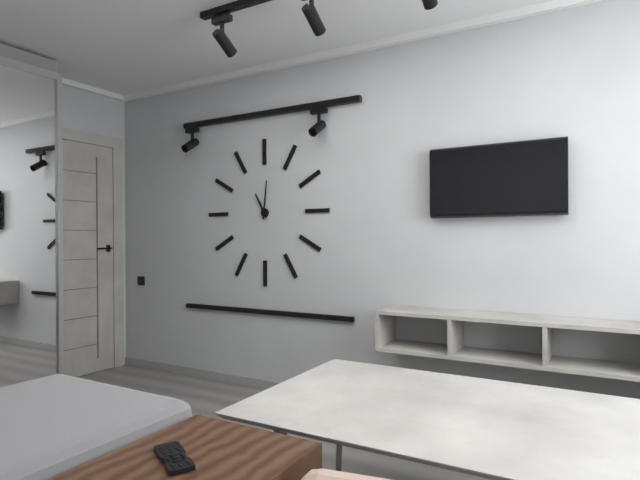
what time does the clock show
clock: 11:01
